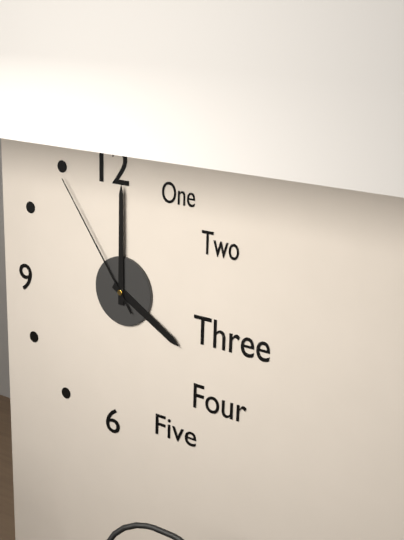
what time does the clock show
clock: 4:00:54
